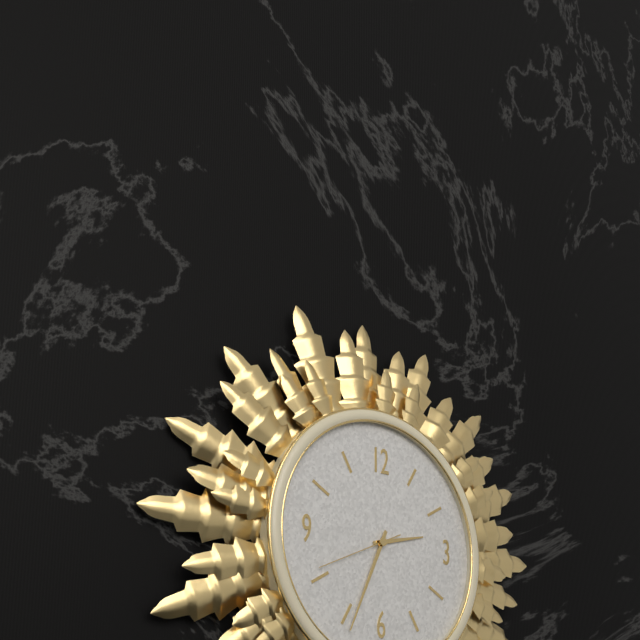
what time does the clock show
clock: 2:34:41
